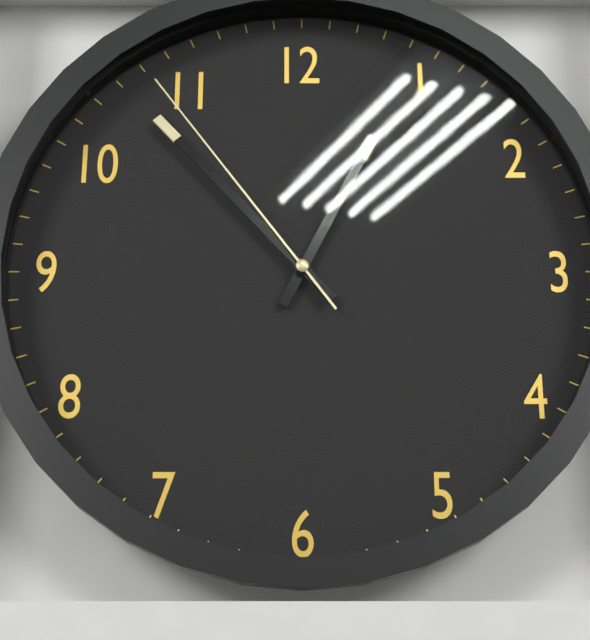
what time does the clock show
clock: 12:53:54
